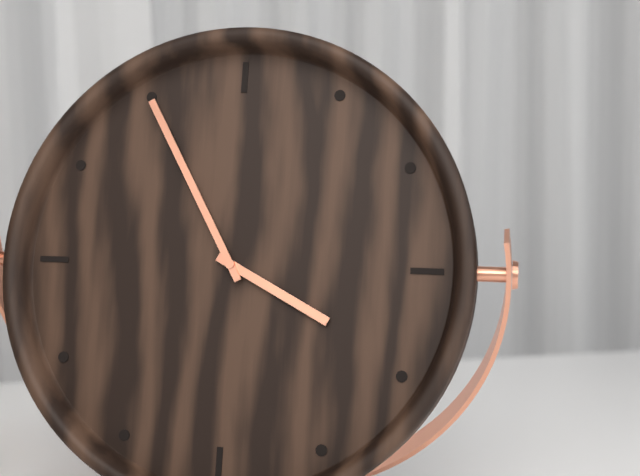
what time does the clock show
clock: 3:55
